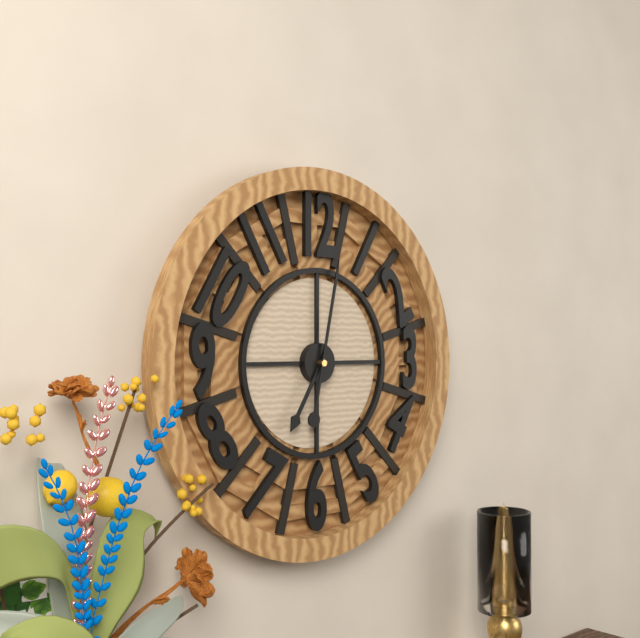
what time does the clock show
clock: 7:02
